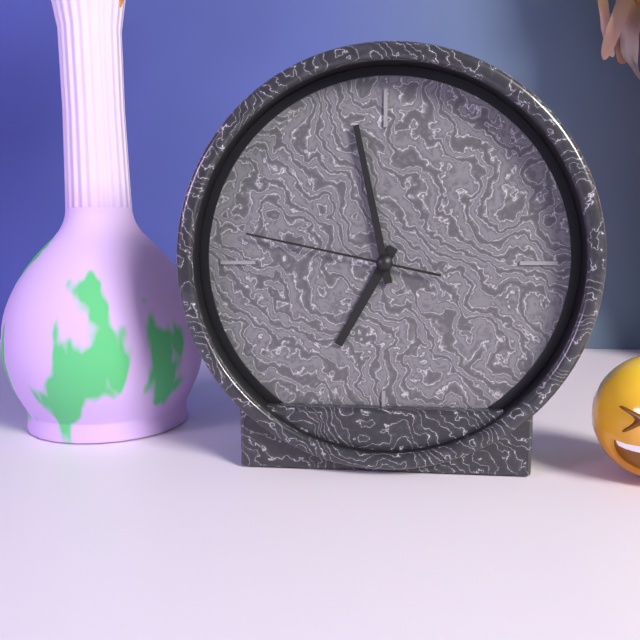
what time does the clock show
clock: 6:58:47
